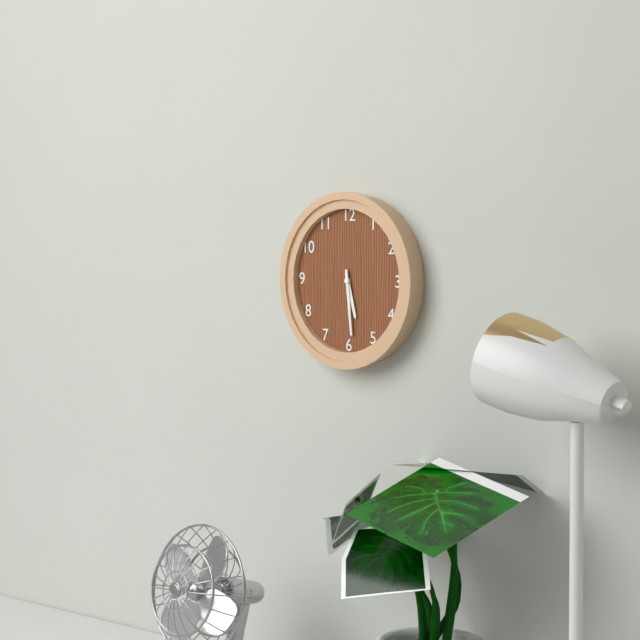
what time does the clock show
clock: 5:29
